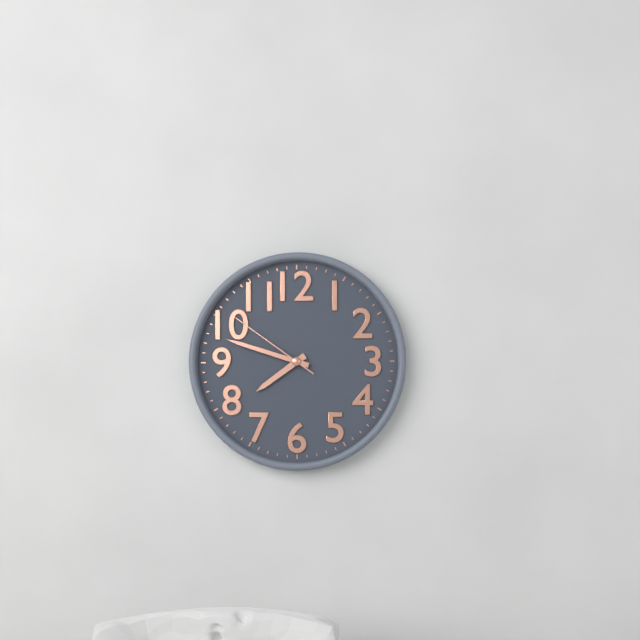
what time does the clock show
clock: 7:48:51
